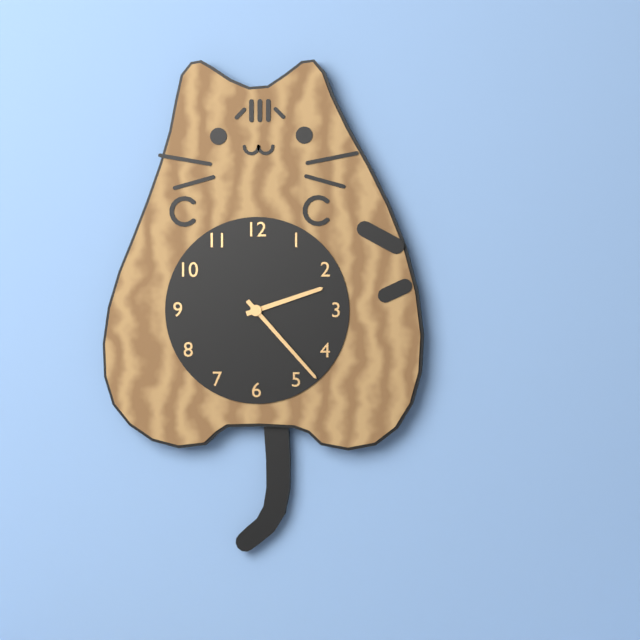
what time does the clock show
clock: 2:23
